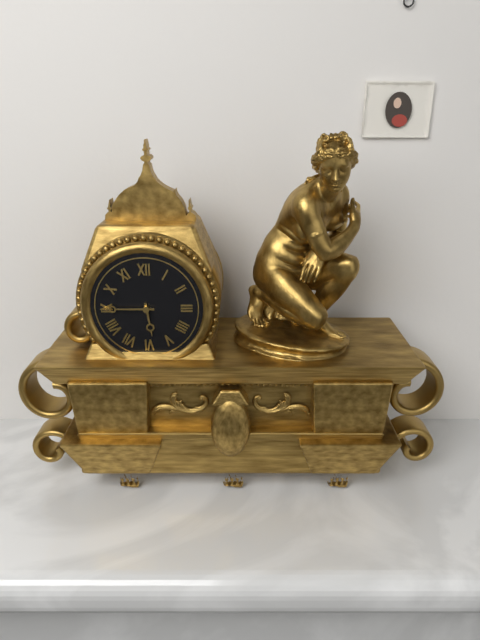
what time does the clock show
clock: 5:45
